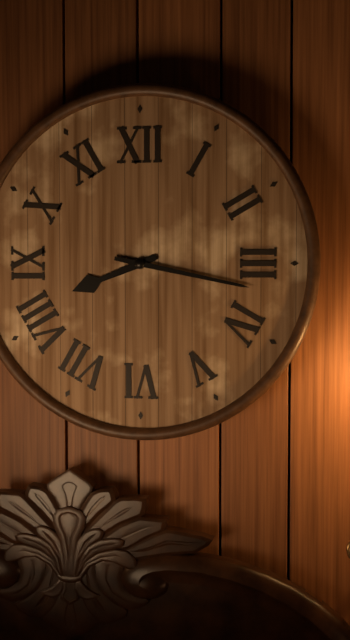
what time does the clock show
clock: 8:17
